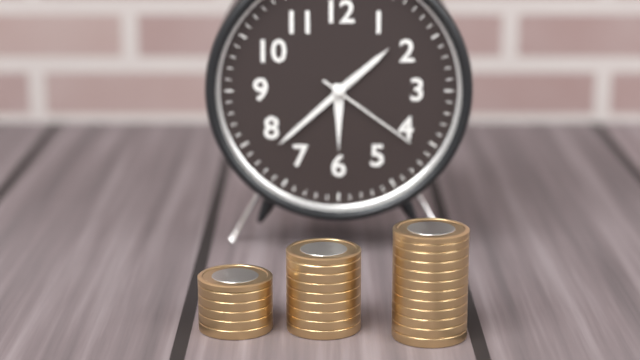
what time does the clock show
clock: 1:38:21
